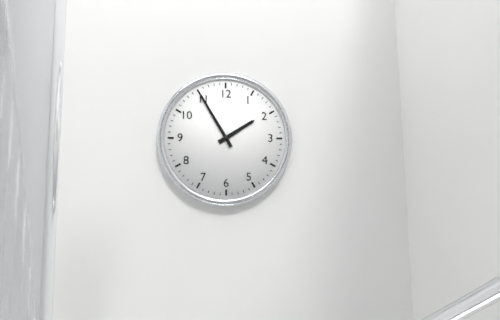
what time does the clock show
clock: 1:55
